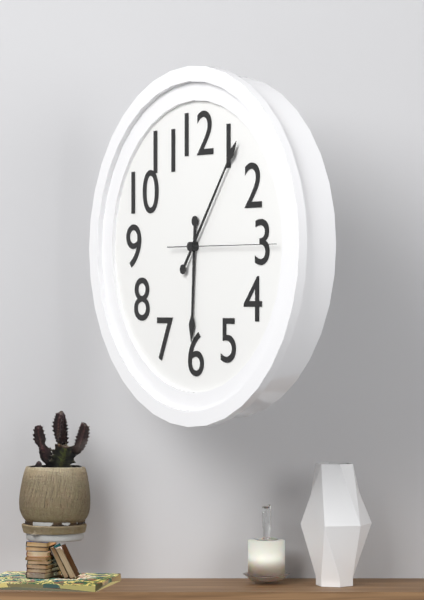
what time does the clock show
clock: 6:06:15
